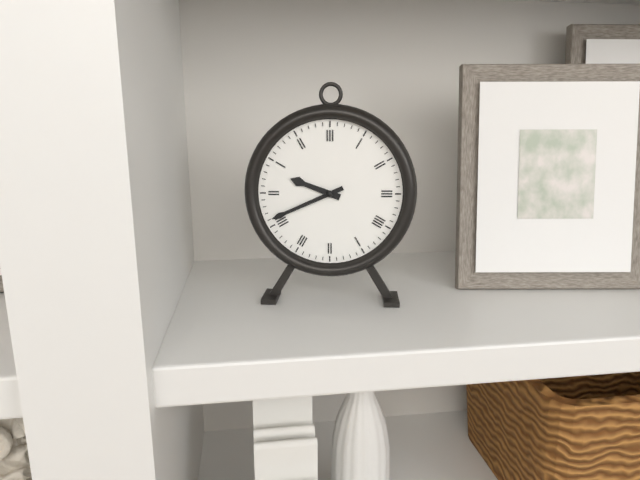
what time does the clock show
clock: 9:41
